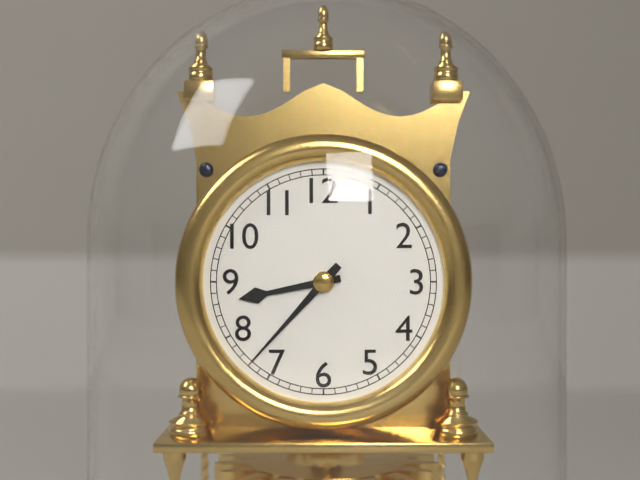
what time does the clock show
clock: 8:37
